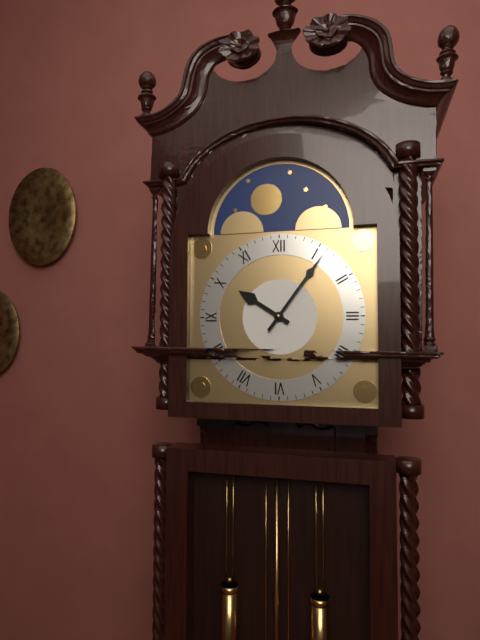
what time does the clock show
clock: 10:06
